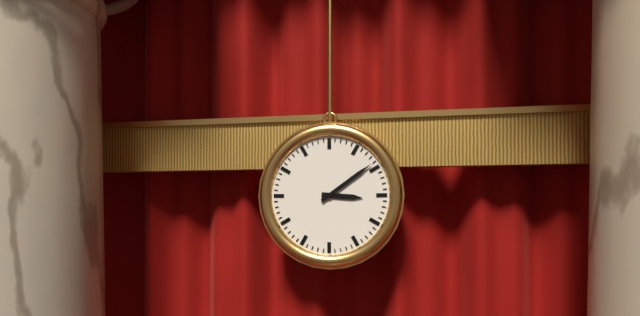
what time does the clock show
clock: 3:09
